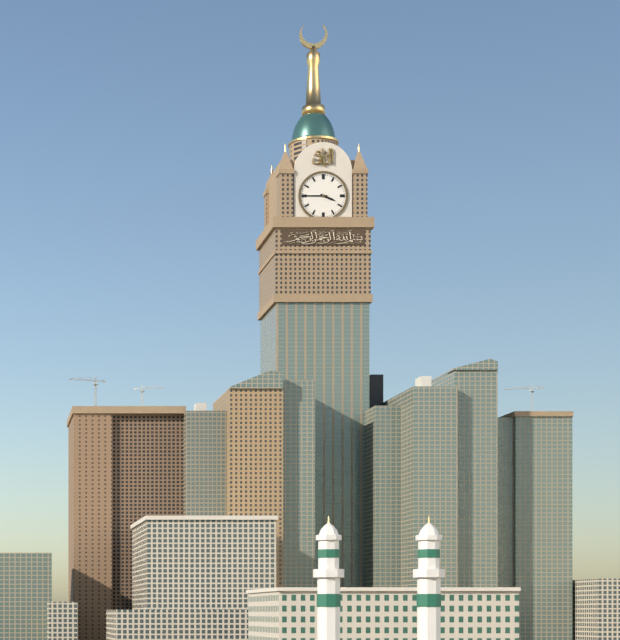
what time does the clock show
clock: 3:45
